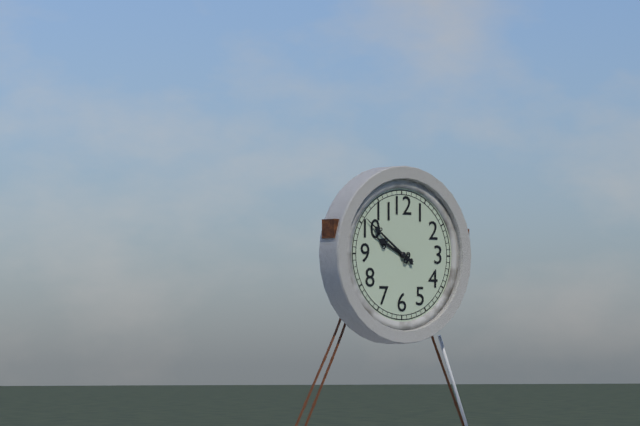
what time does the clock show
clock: 9:51
